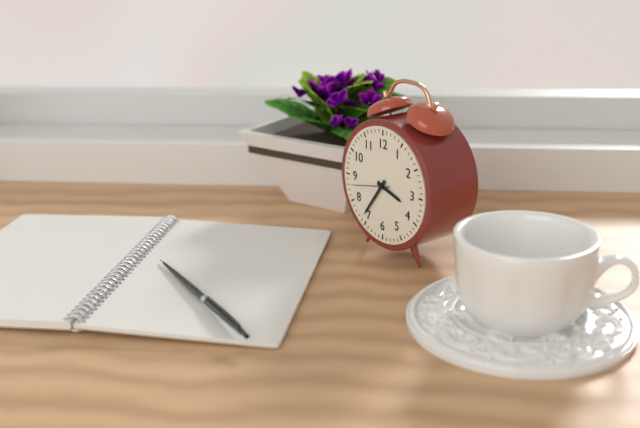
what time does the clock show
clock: 3:36
